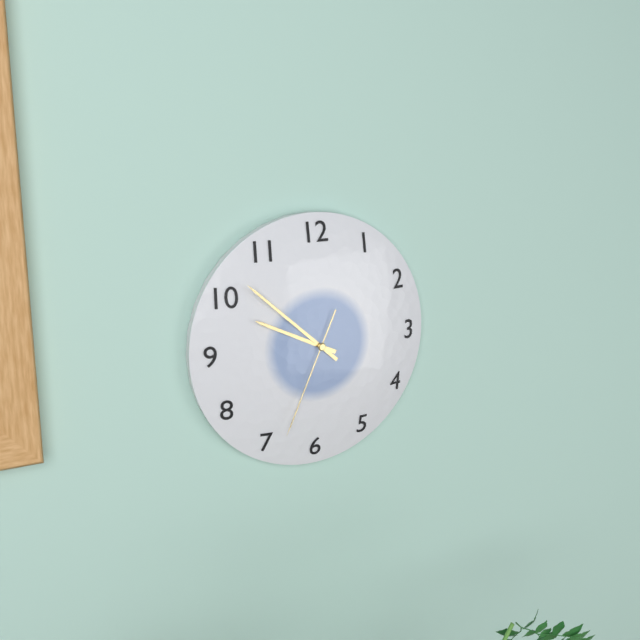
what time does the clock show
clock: 9:52:34
